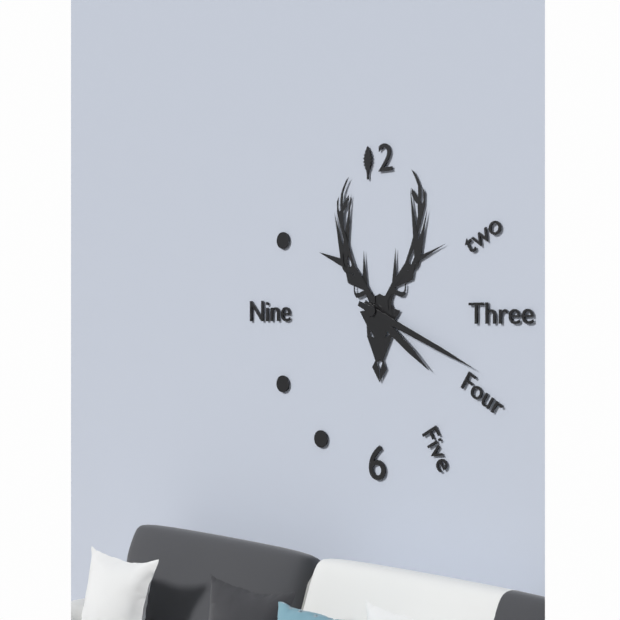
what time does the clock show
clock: 4:19
